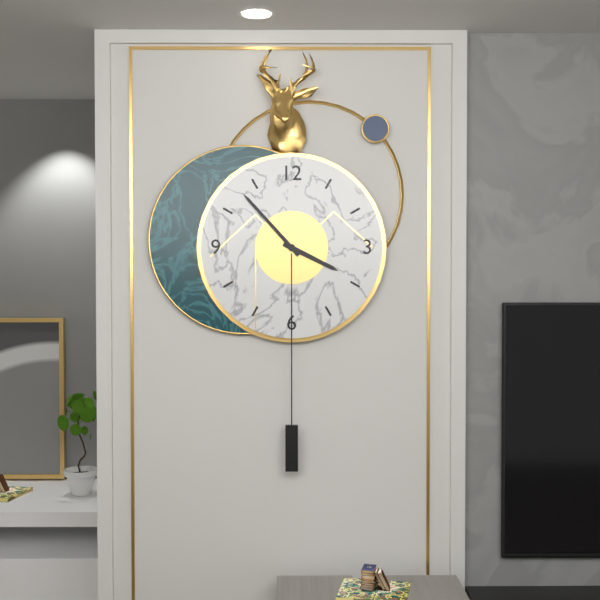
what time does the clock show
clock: 3:53
